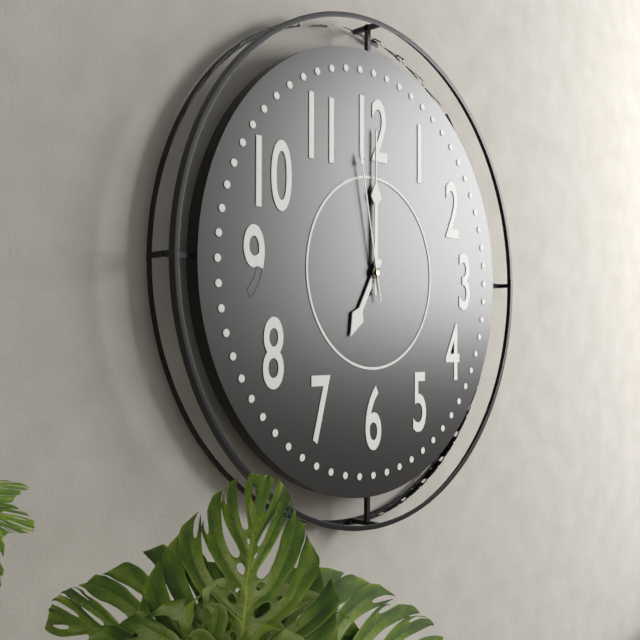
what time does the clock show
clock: 7:00:58
